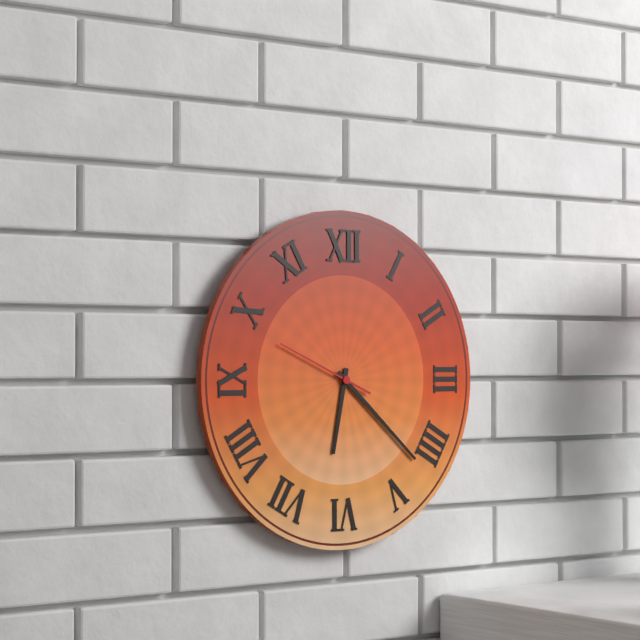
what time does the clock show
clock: 6:22:49
